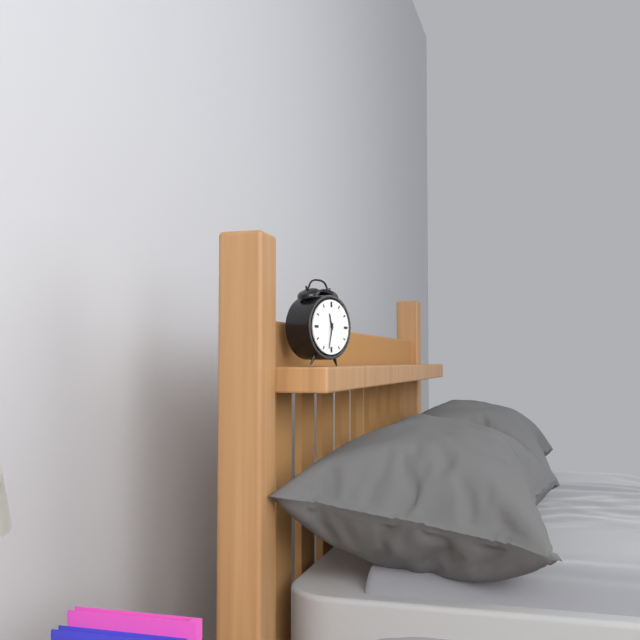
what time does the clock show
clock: 11:32
